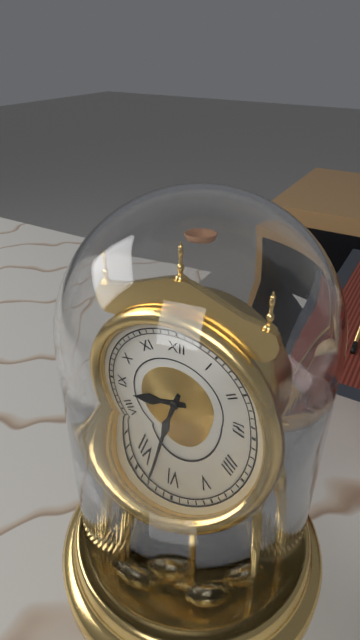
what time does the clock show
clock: 8:33
